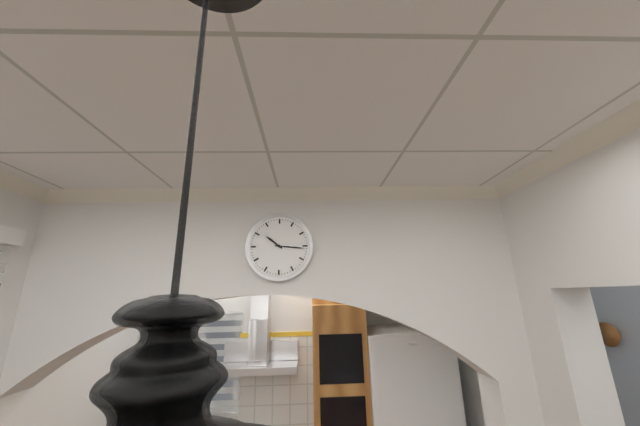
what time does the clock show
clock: 10:16
